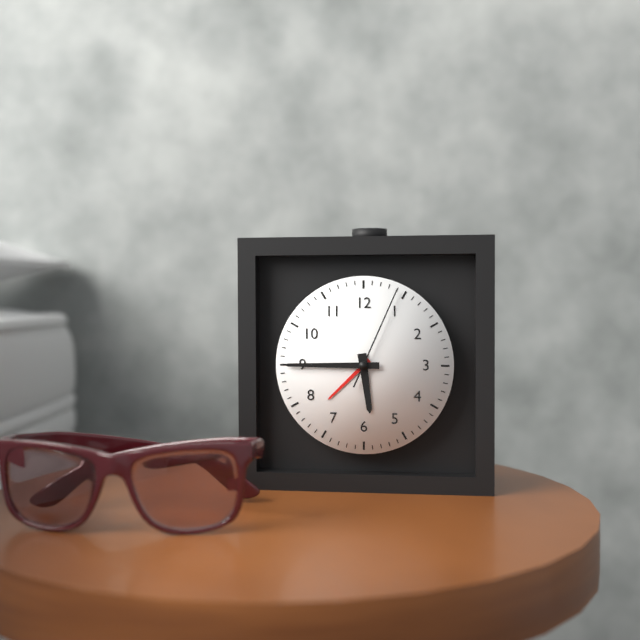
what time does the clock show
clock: 5:45:04
